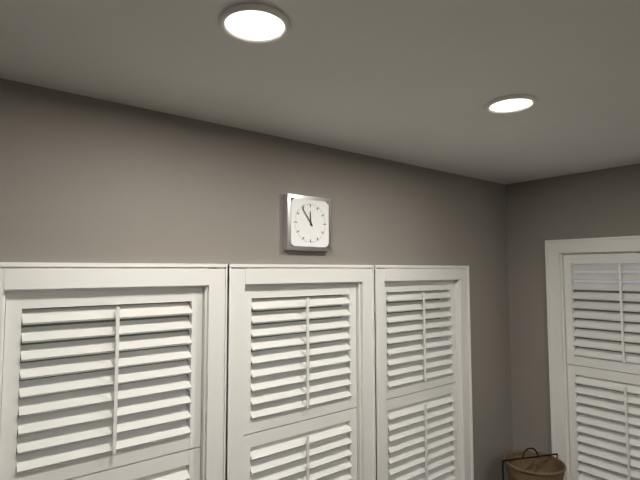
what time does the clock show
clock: 11:54
